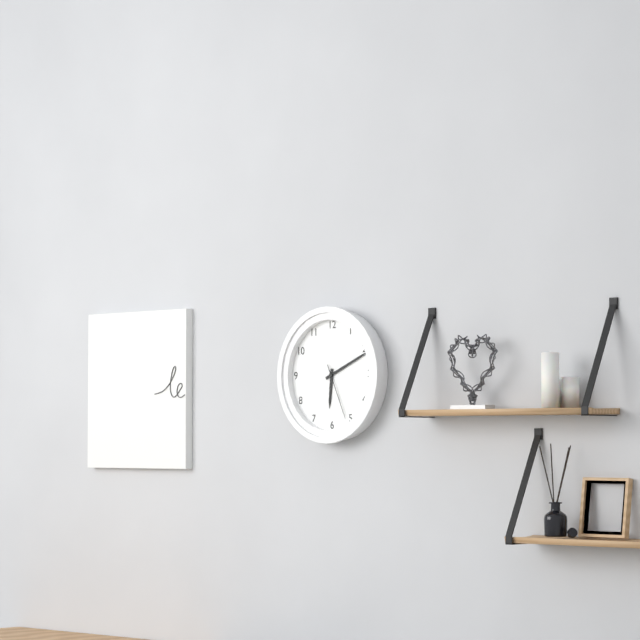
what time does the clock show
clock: 6:11:26
